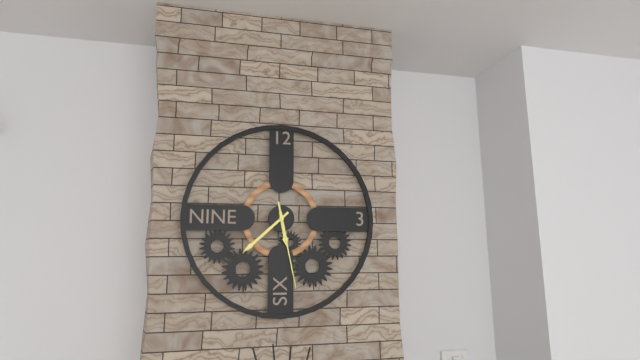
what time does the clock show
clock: 5:38:28
